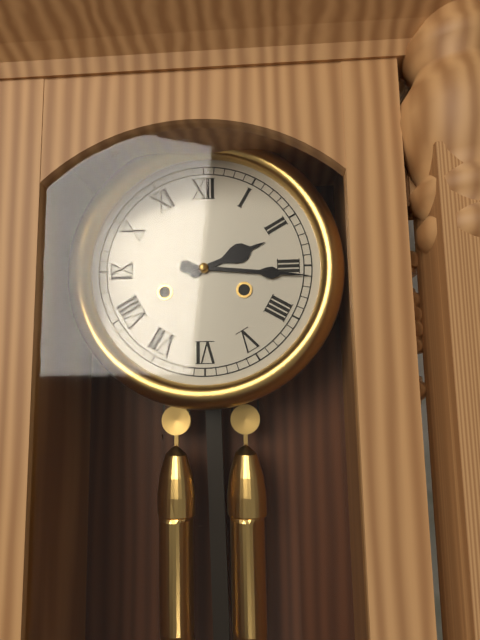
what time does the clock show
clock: 2:16
